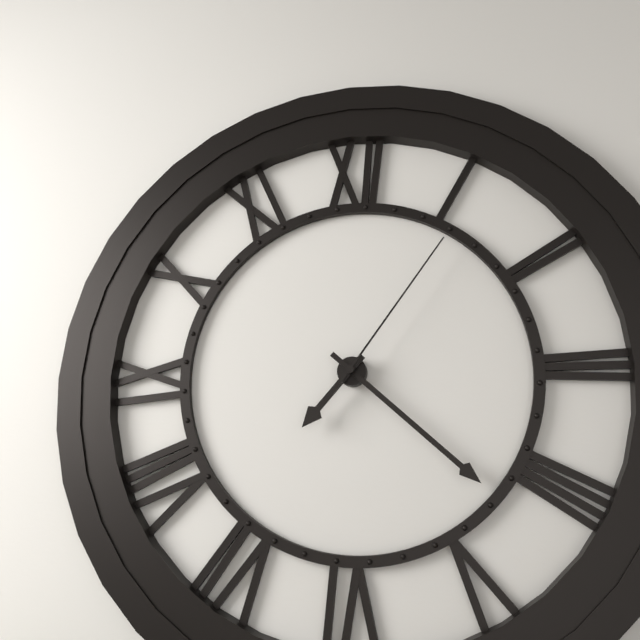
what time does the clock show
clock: 7:22:06
